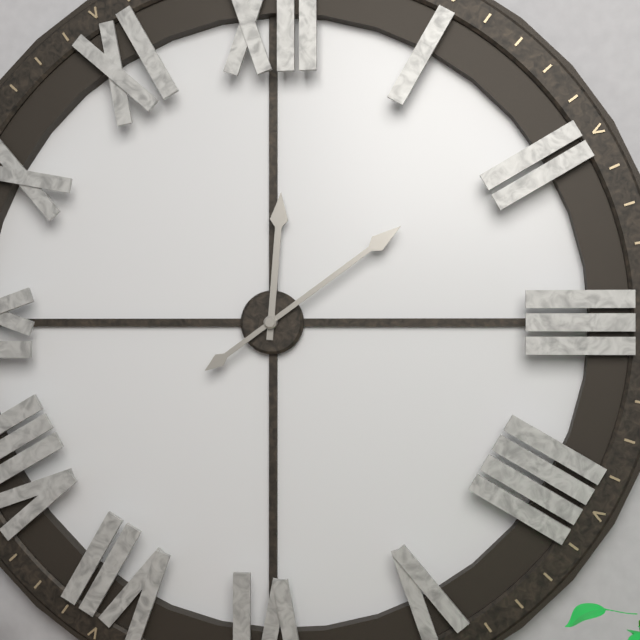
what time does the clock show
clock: 12:09
